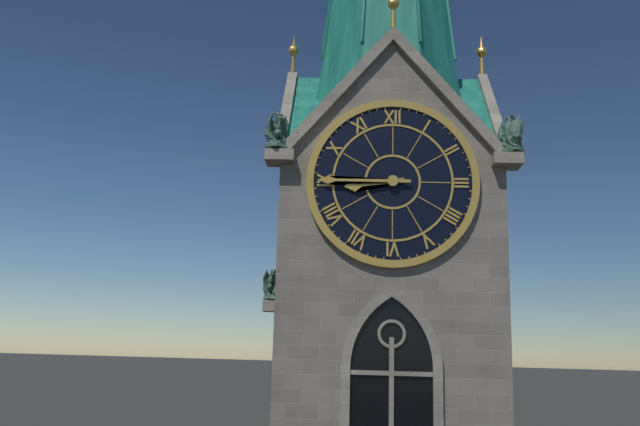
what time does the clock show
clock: 8:45
